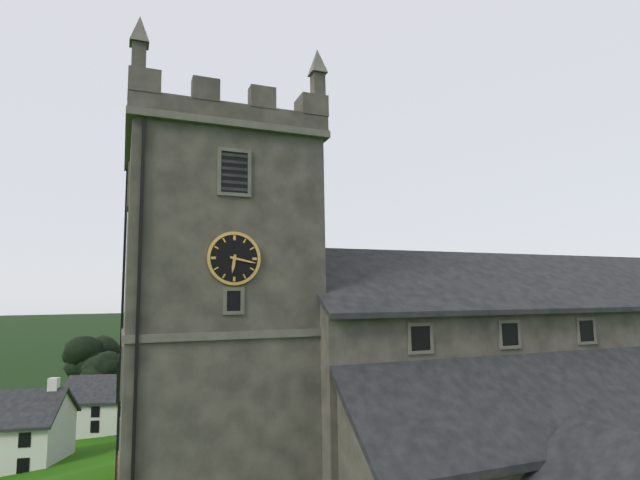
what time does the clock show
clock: 6:17
